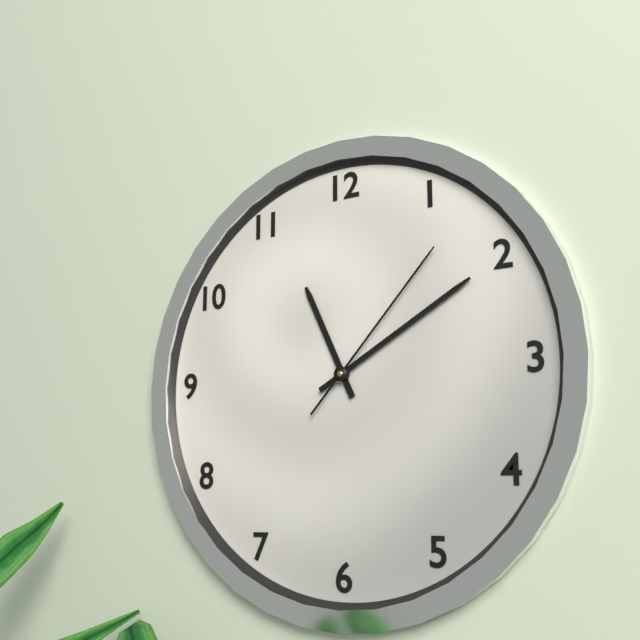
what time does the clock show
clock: 11:10:07
